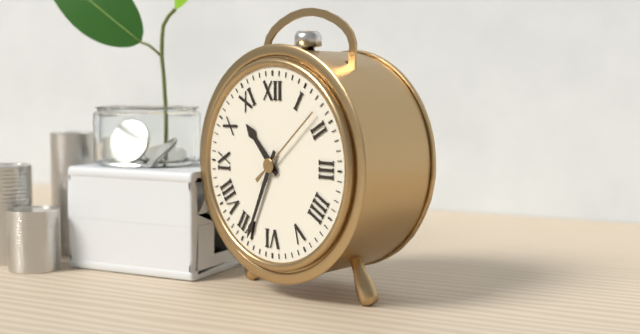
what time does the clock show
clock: 10:34:08
